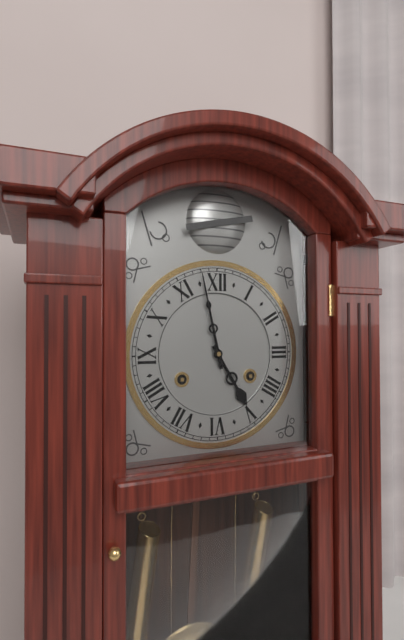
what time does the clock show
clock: 4:58
